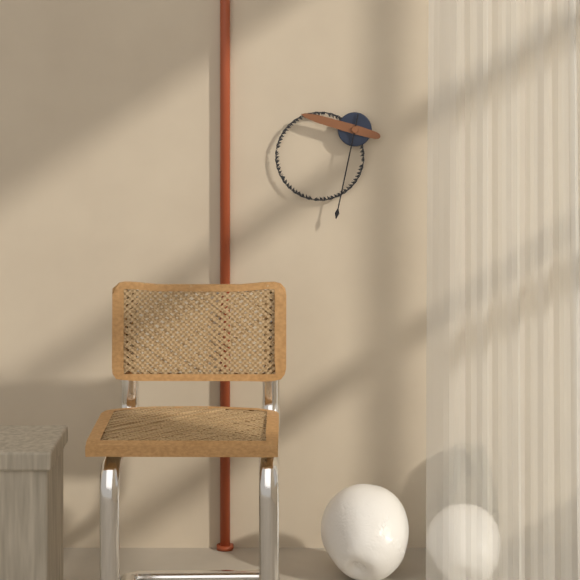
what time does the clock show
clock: 9:32
